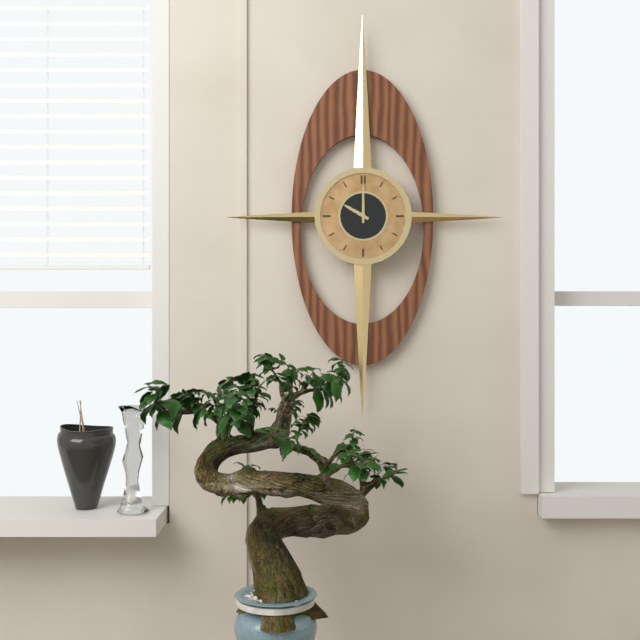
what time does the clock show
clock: 10:00
